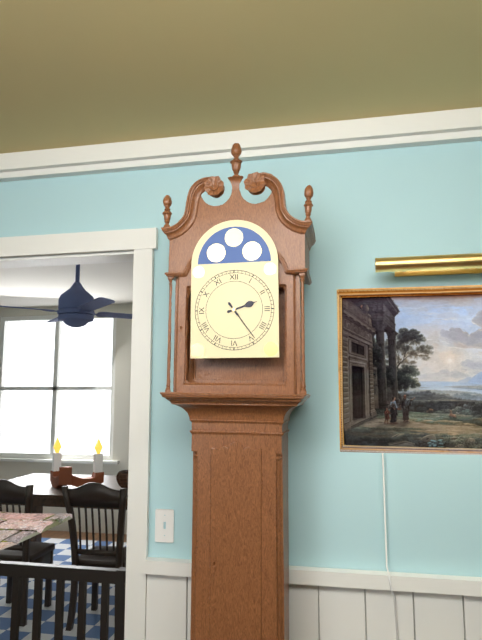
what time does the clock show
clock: 2:24
